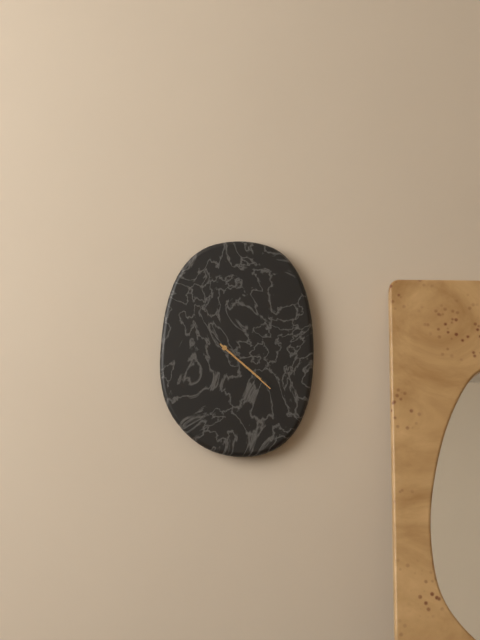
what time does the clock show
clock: 4:22
